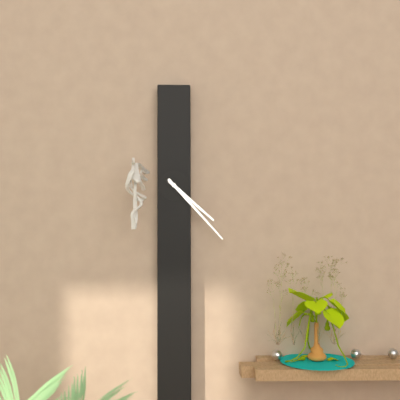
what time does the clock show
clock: 4:23
